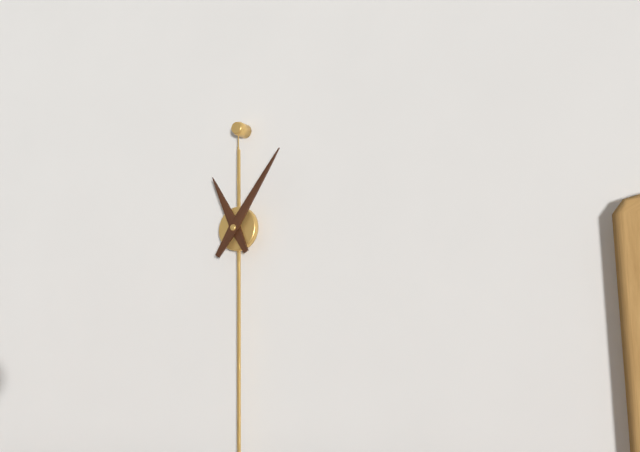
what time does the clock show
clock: 11:06
